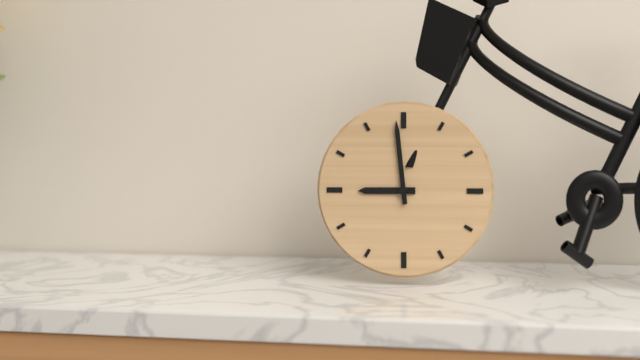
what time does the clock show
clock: 8:59
